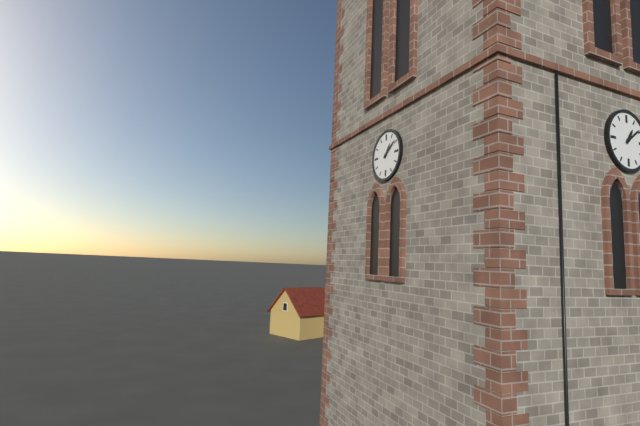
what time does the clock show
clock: 1:09
